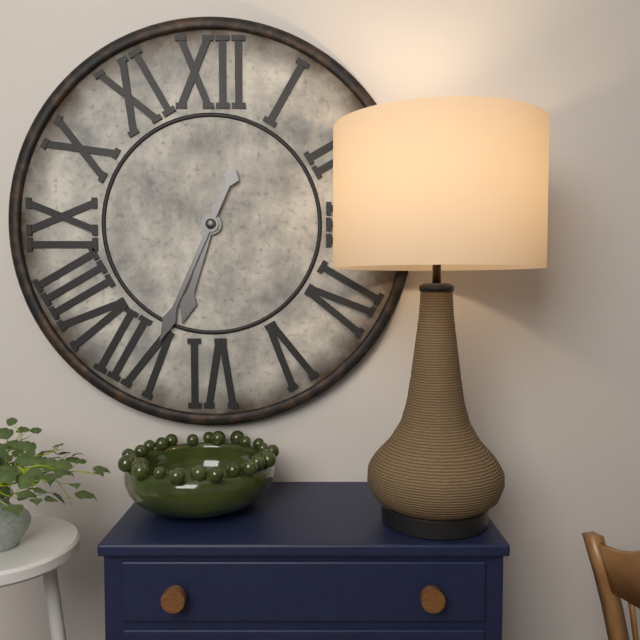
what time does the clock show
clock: 6:34
